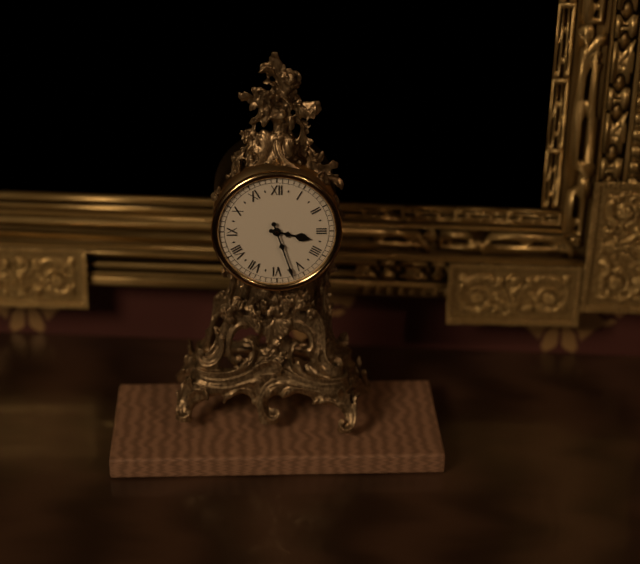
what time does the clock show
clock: 3:27
